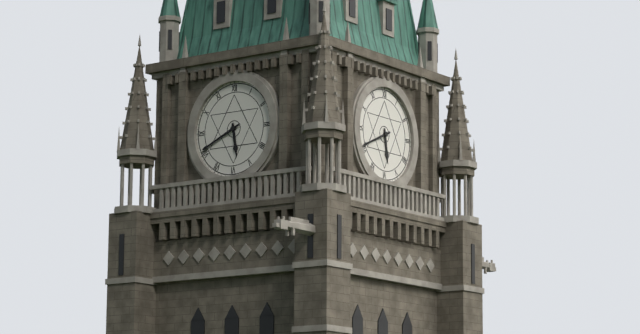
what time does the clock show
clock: 5:41
